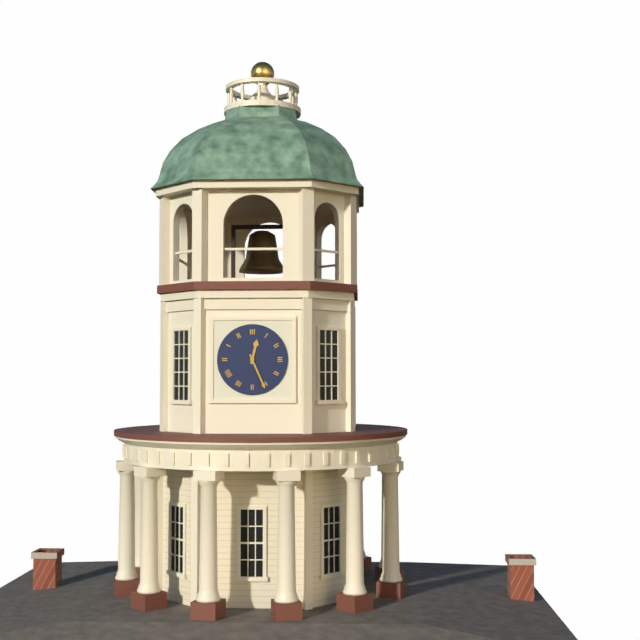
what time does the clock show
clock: 12:26
